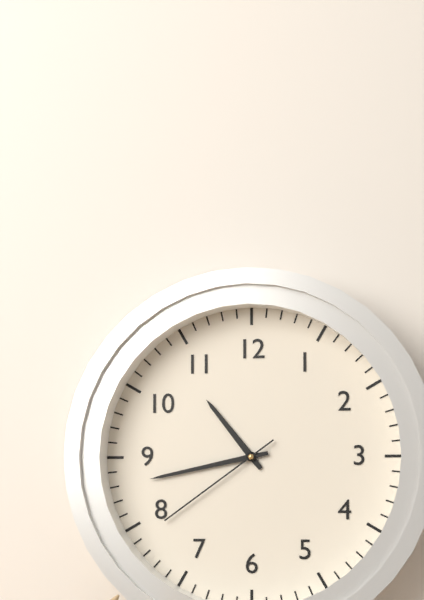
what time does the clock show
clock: 10:43:39
